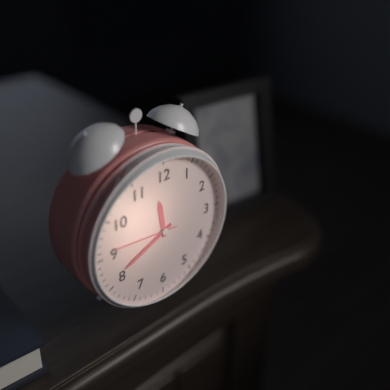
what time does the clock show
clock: 11:41:46
